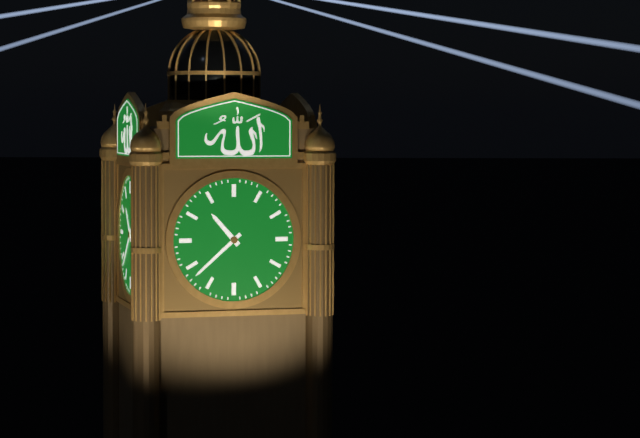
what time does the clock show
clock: 10:38
